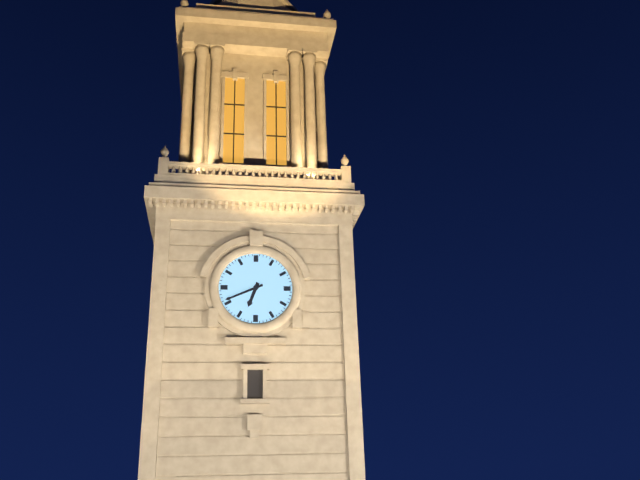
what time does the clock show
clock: 6:41
